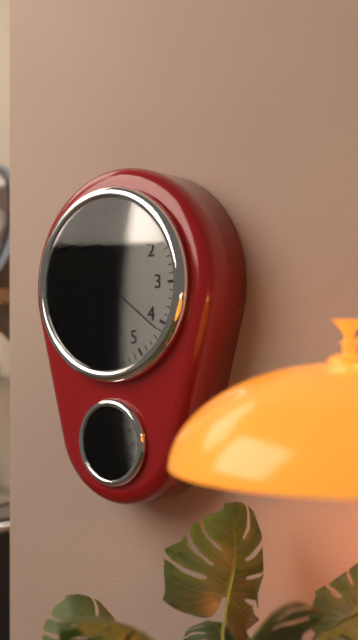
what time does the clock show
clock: 6:31:21
